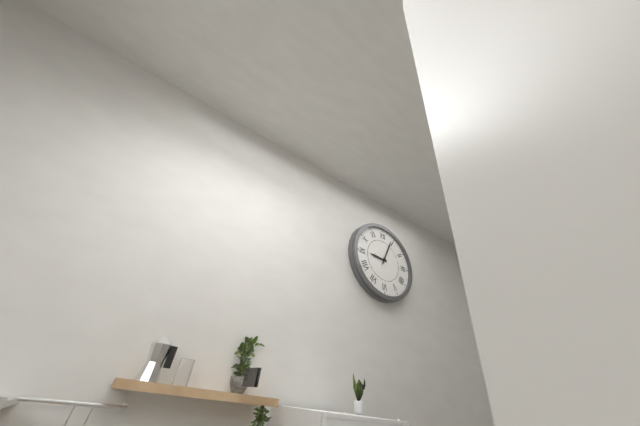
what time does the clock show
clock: 9:04
